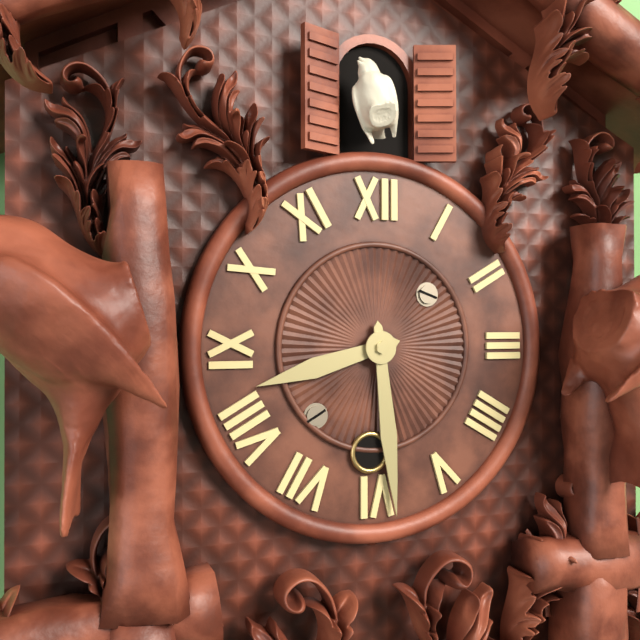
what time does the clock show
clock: 8:29
